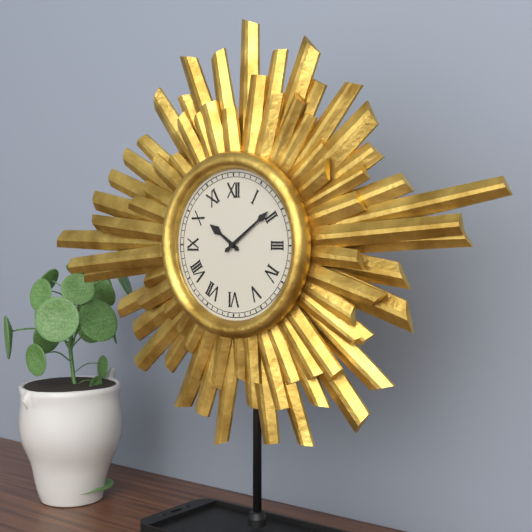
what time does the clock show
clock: 10:09
